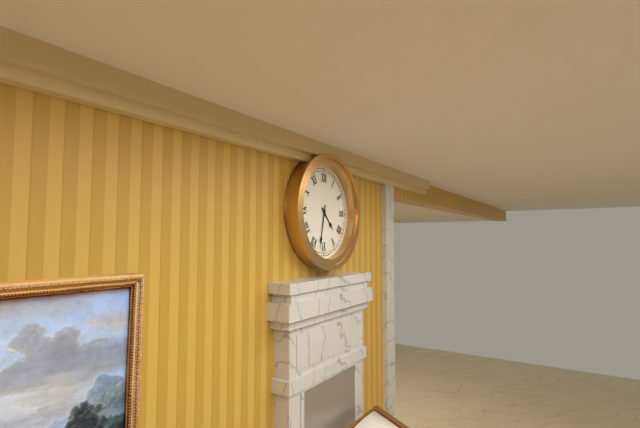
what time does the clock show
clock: 4:32
